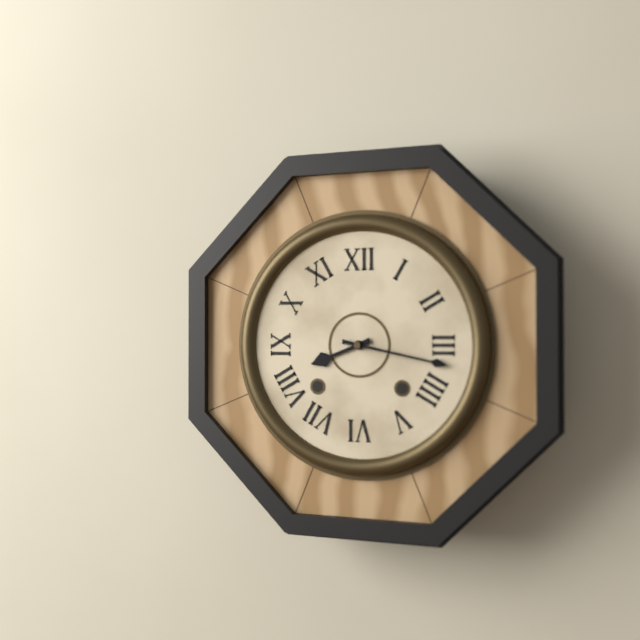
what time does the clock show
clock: 8:17
